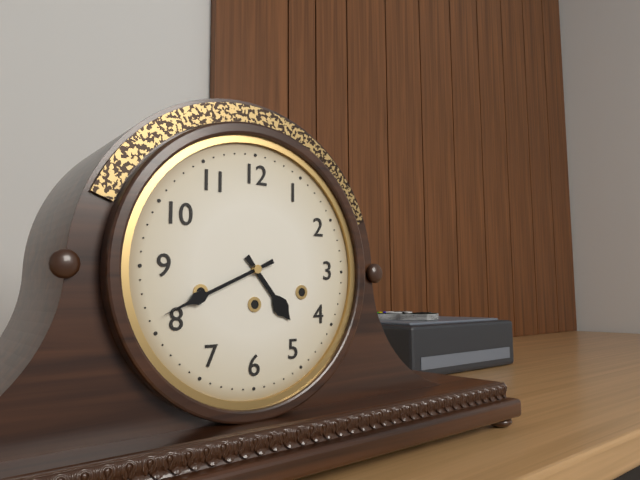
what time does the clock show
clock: 4:41
